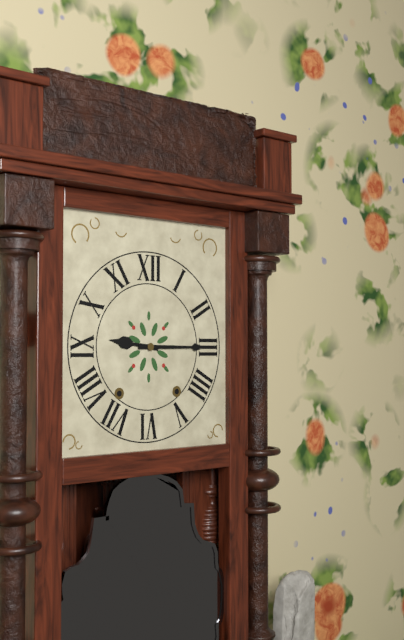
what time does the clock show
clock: 9:15
